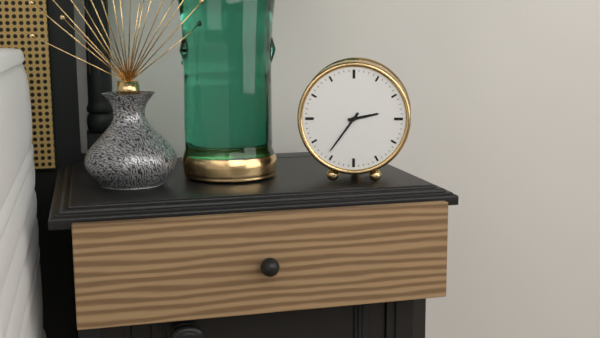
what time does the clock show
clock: 2:36
